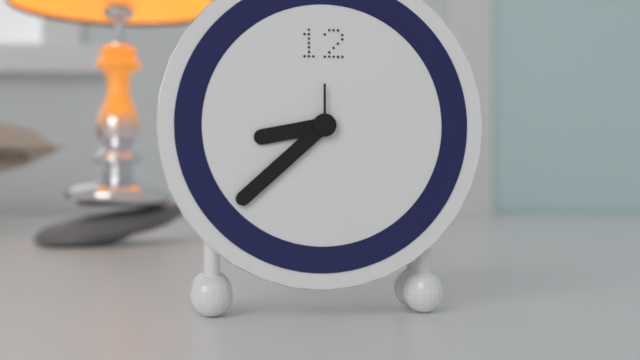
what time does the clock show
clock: 8:38:00
